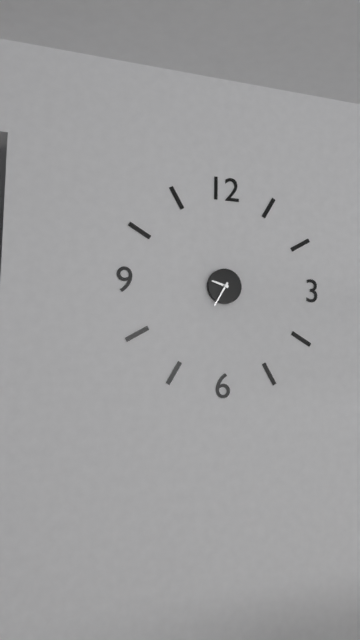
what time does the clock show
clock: 9:35
